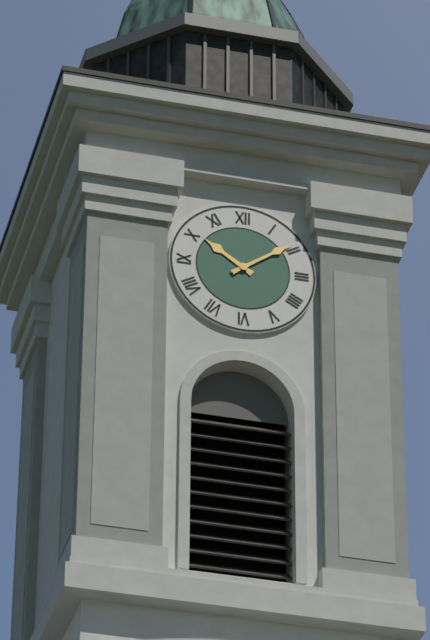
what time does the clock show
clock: 10:09
